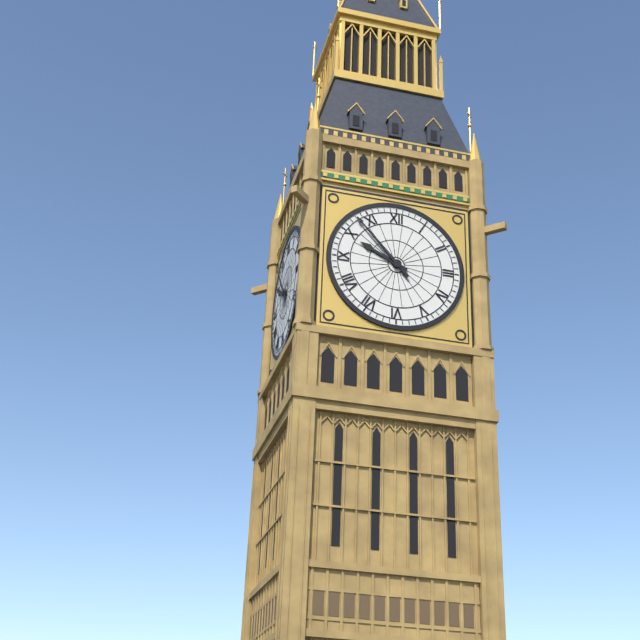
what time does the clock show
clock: 9:53
